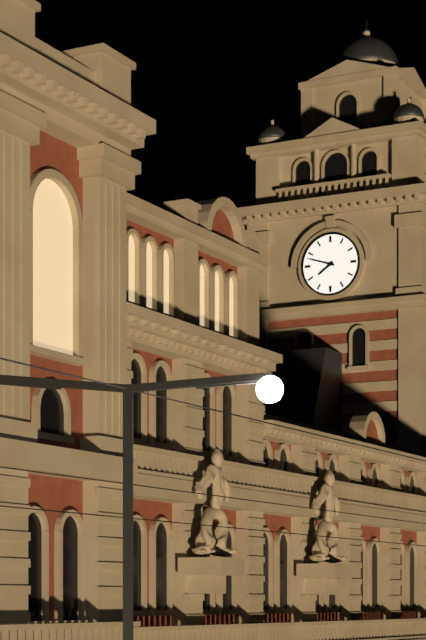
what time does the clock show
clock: 7:48
